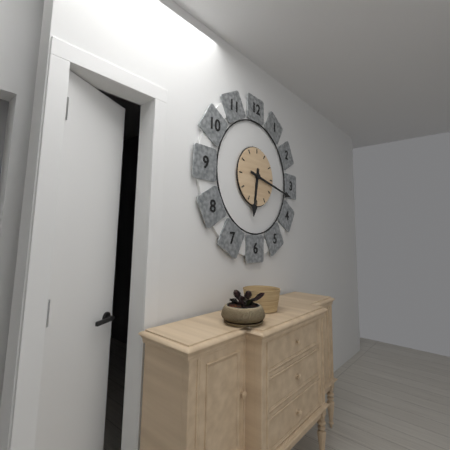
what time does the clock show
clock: 6:17
